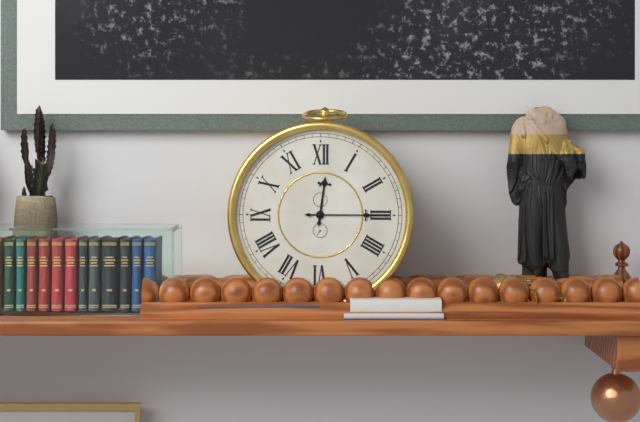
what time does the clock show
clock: 12:15
